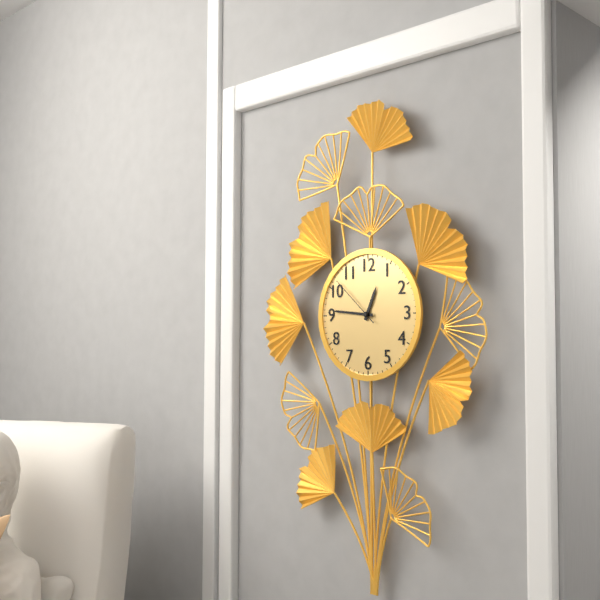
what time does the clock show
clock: 12:46:52
